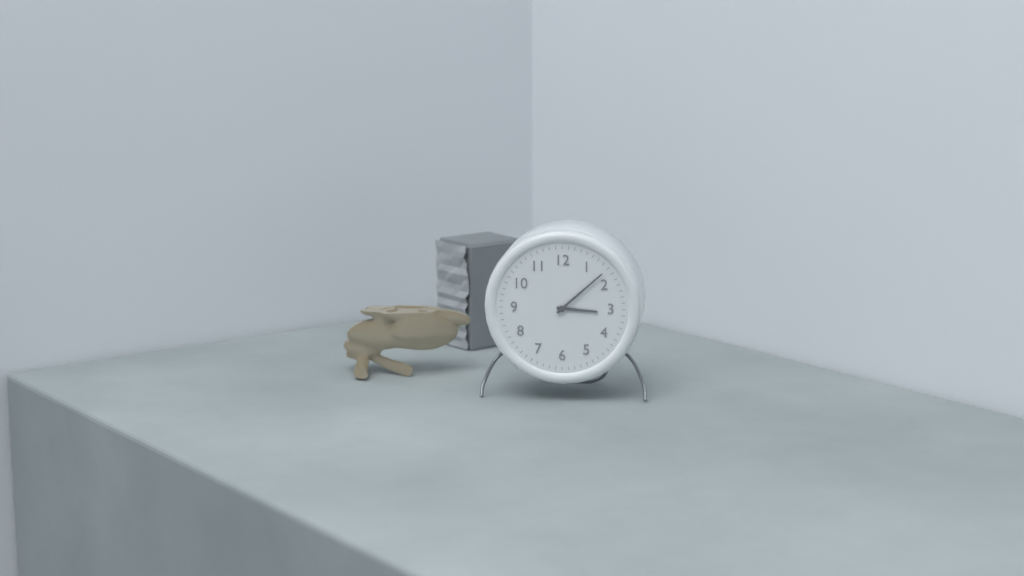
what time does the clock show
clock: 3:08
